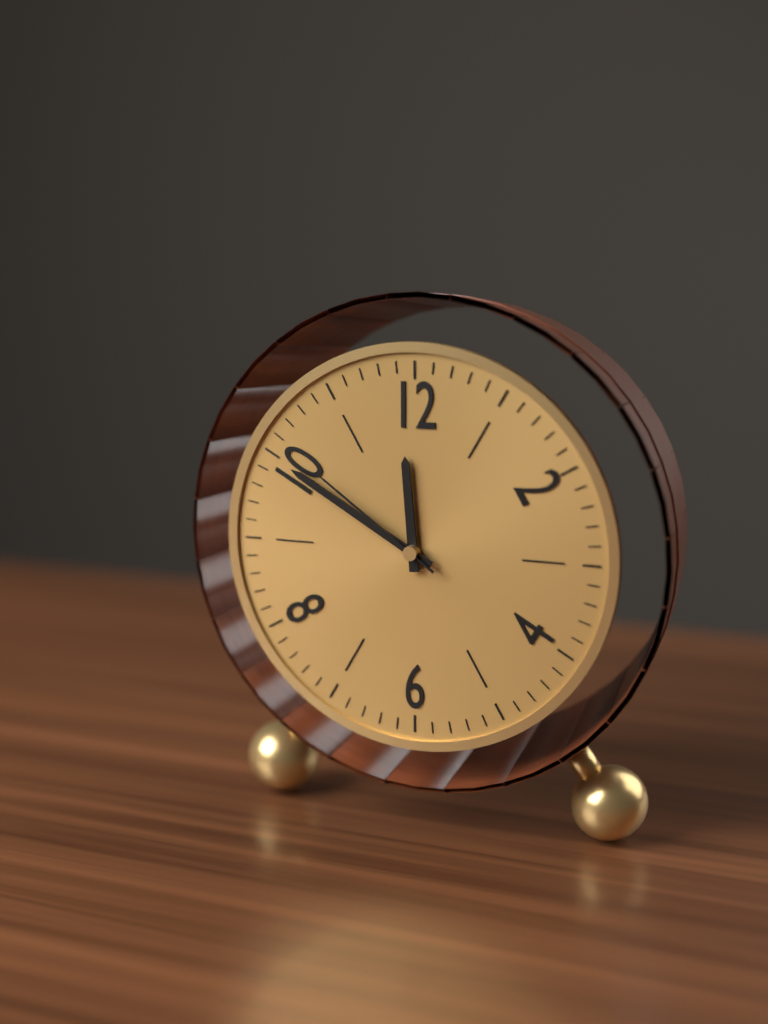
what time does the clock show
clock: 11:50:51
